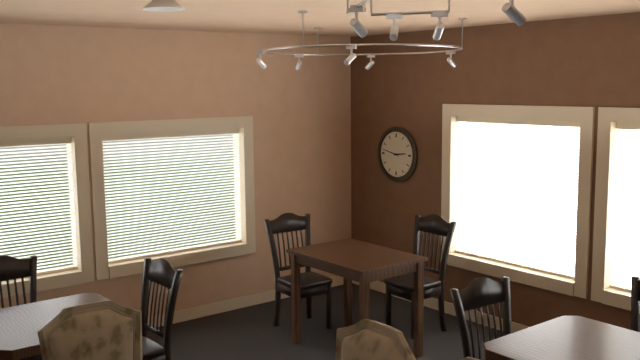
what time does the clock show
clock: 2:47
